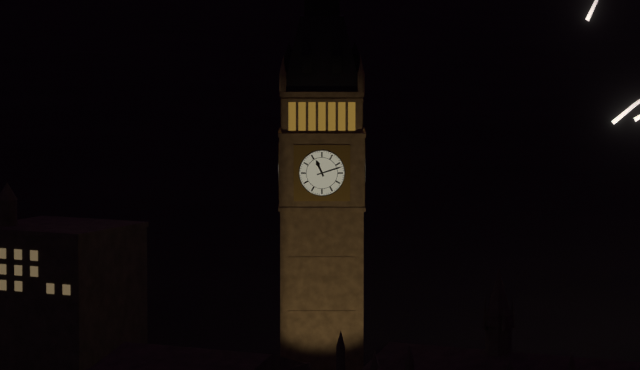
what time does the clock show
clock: 11:12
